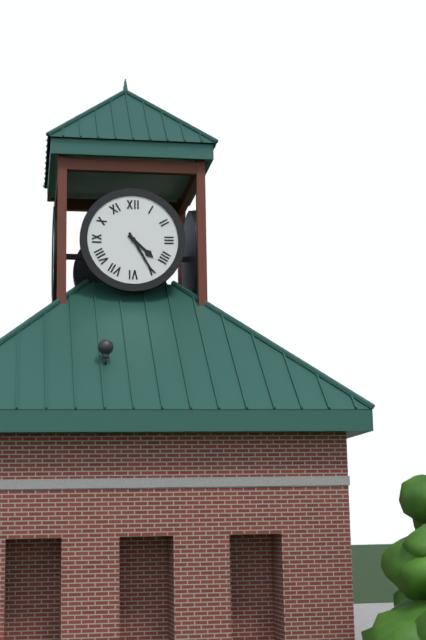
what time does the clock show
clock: 4:25
